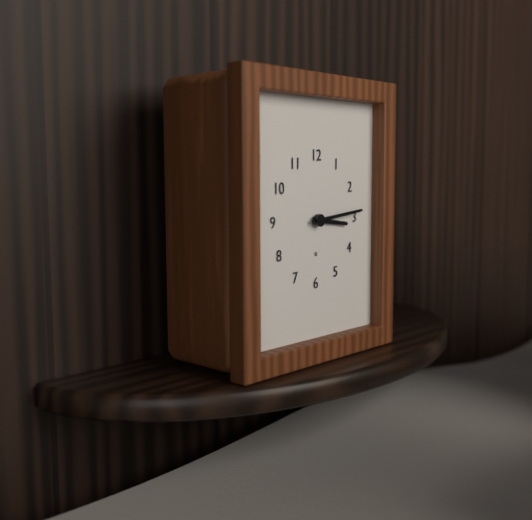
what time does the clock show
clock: 3:14
